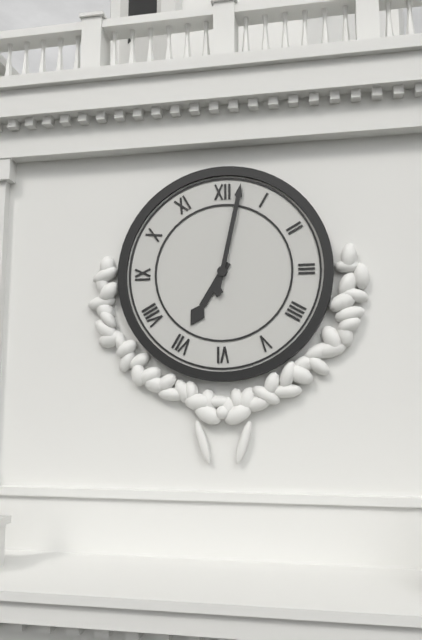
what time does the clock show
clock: 7:02
